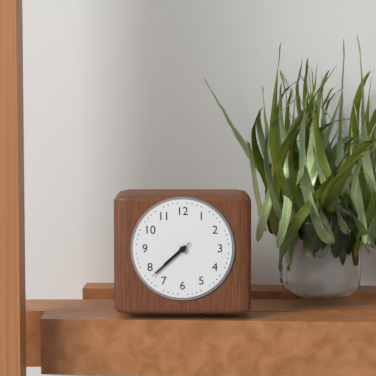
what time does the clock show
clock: 7:38:38
